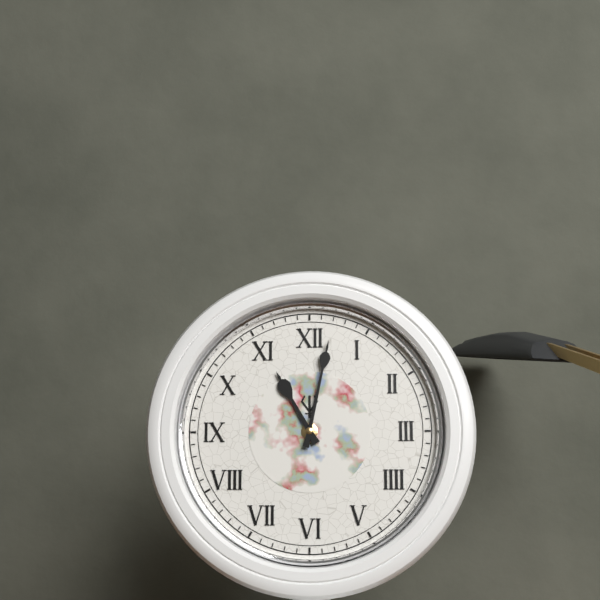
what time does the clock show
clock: 11:02
